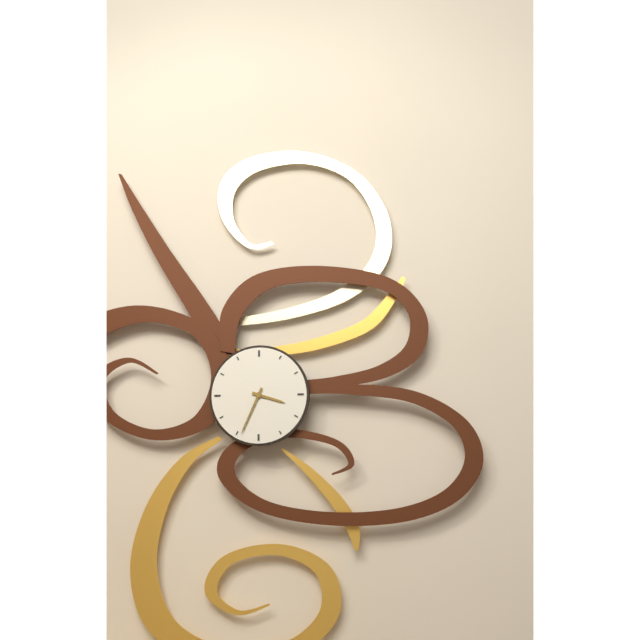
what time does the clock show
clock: 3:34
